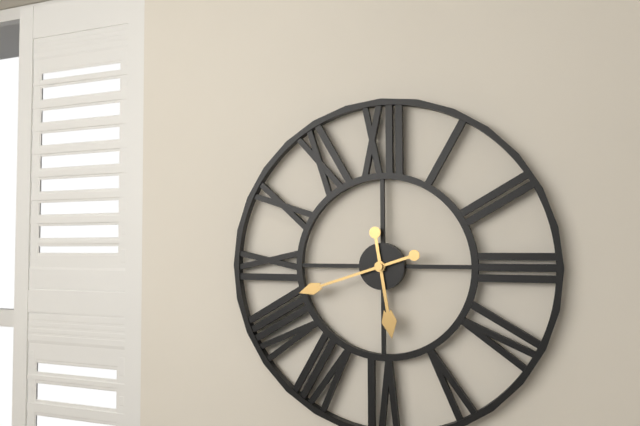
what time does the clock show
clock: 5:42
